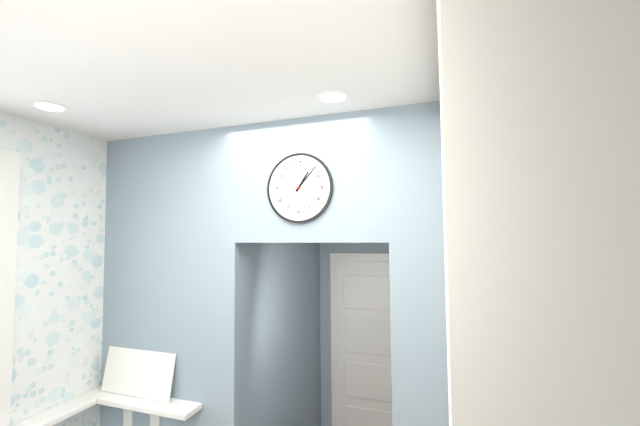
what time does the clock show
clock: 1:07
